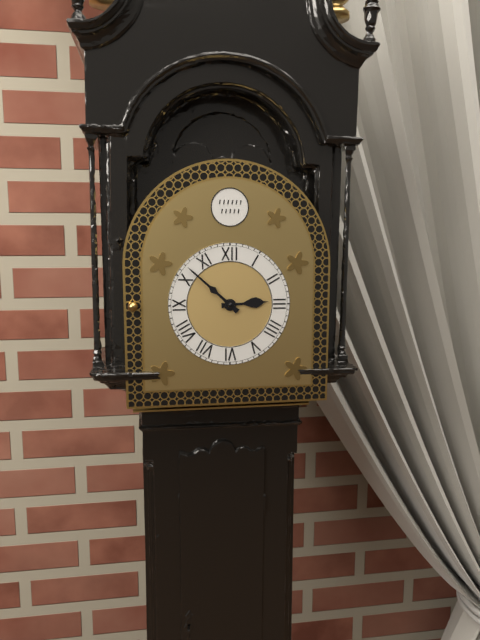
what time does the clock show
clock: 2:52
